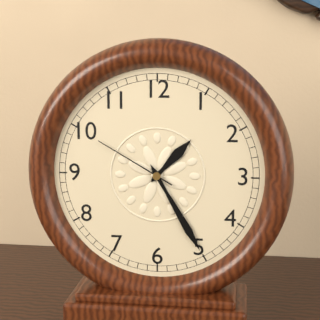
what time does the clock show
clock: 1:25:50
